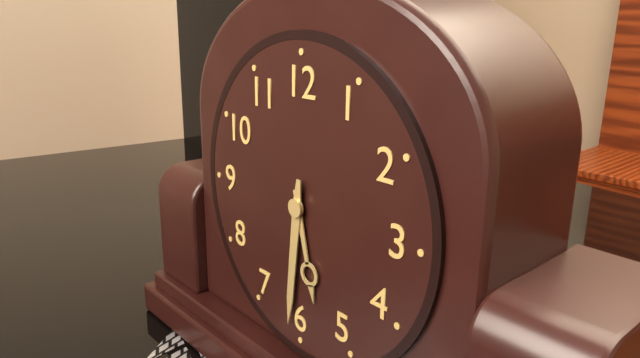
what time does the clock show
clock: 5:31
